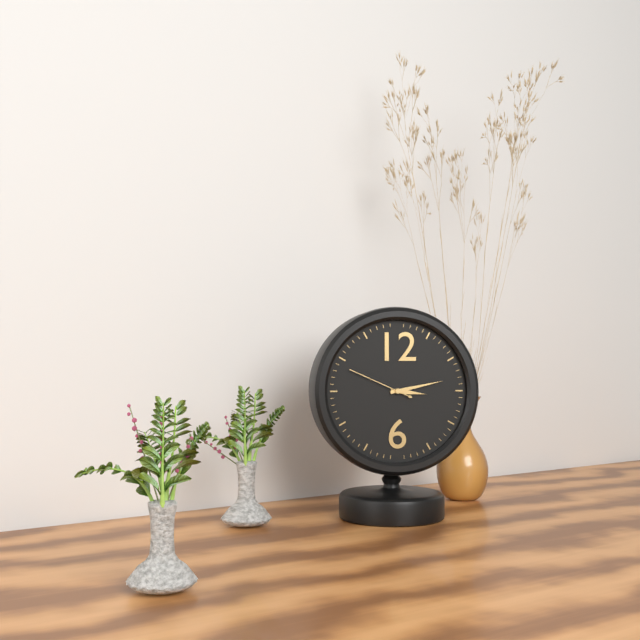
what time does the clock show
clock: 3:13:49
